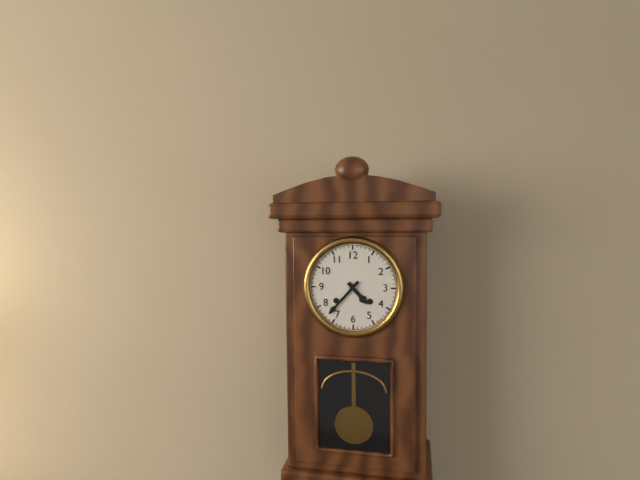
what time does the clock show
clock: 4:37
